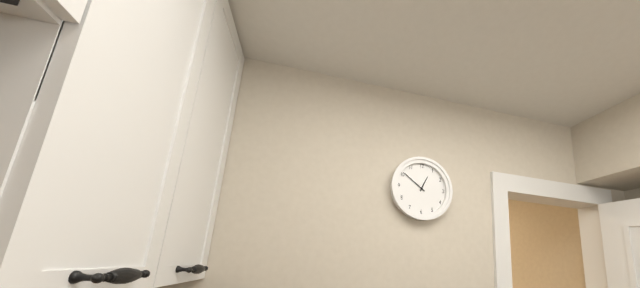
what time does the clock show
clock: 12:51
